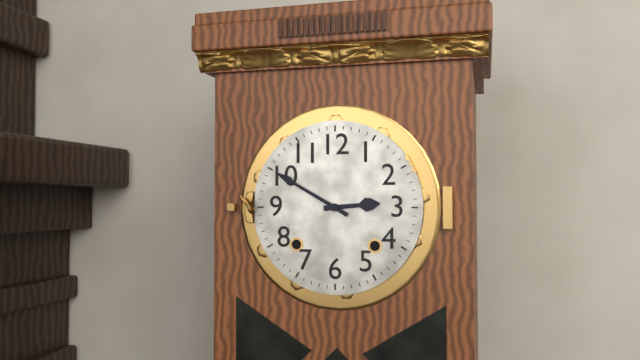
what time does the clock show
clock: 2:50
